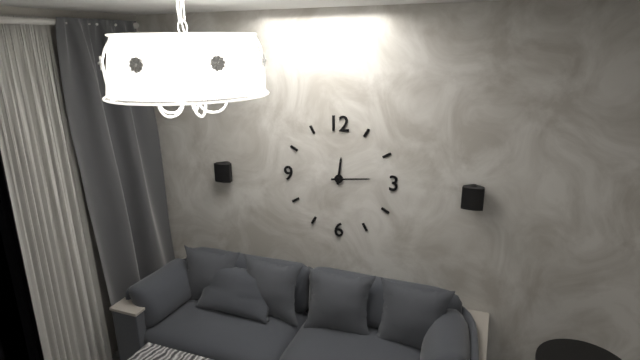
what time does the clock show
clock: 12:14
